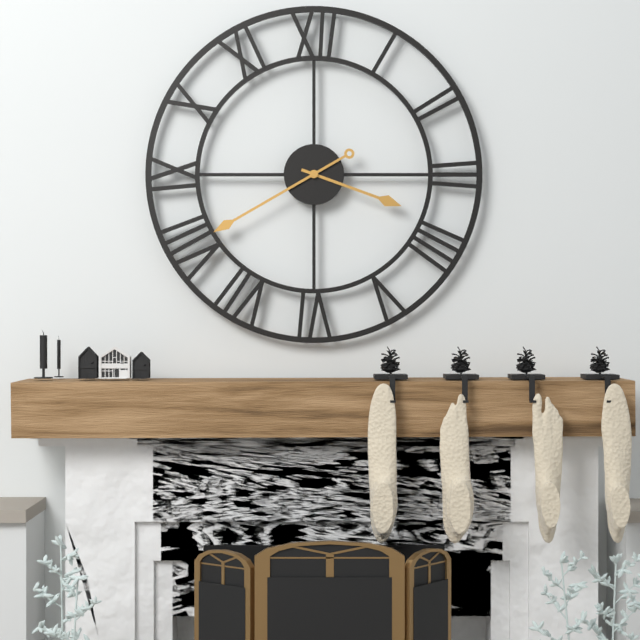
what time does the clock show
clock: 3:40
